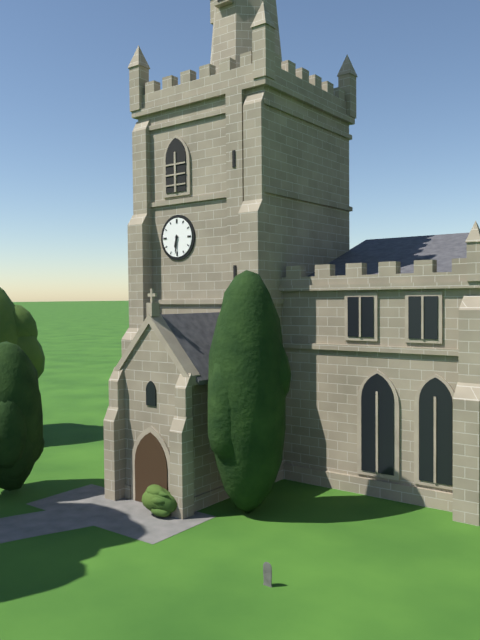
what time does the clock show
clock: 6:31
